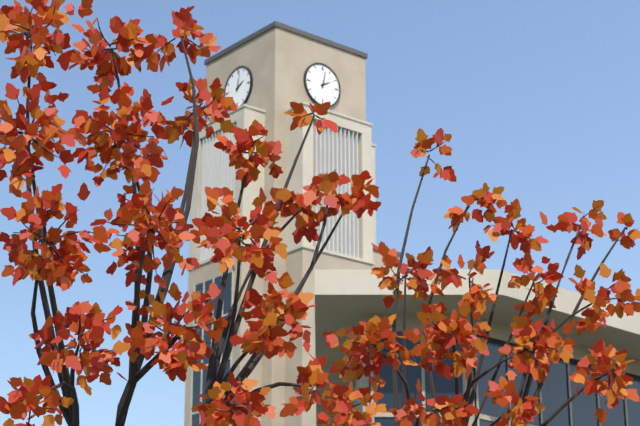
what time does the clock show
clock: 2:02
